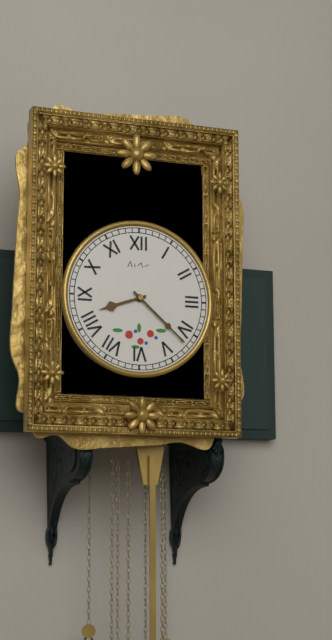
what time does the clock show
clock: 8:22
